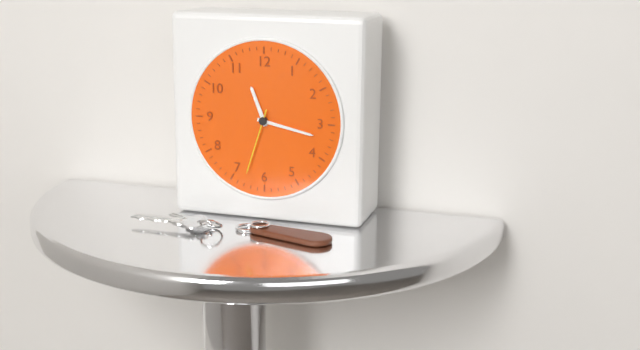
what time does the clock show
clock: 11:17:33
